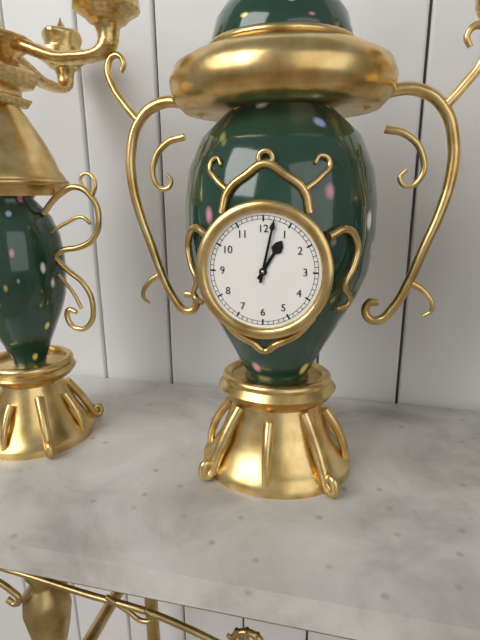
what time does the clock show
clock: 1:02
